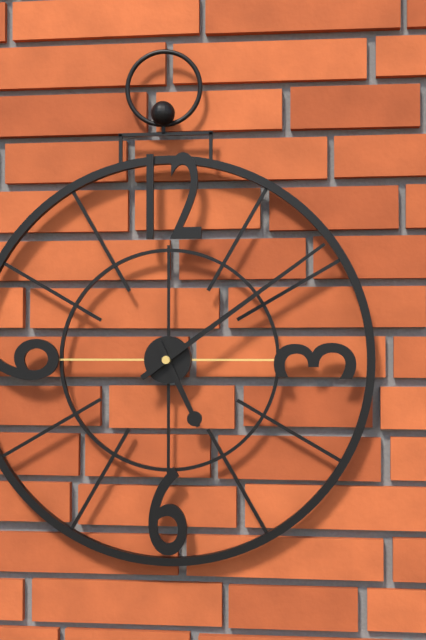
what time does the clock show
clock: 5:09
